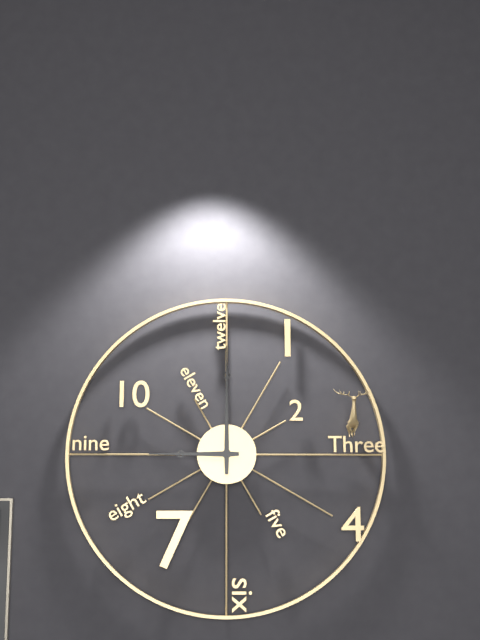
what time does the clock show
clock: 9:00
